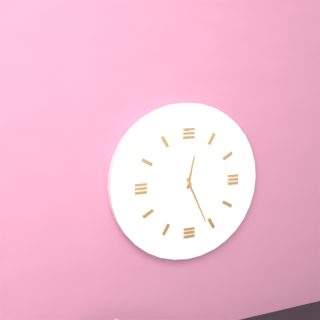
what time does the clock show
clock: 12:26
